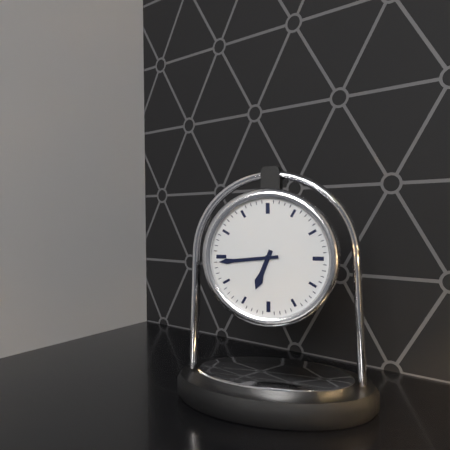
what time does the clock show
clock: 6:44
